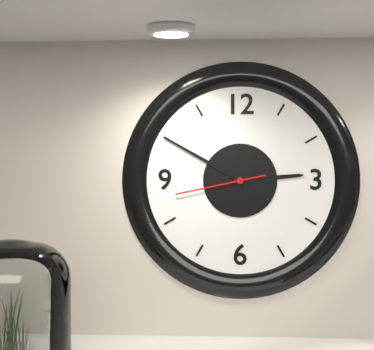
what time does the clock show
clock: 2:50:43
